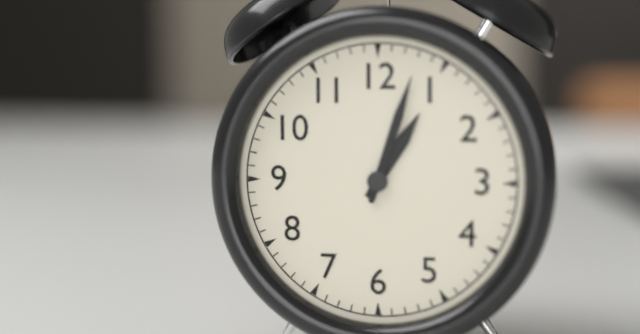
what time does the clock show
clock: 1:03
